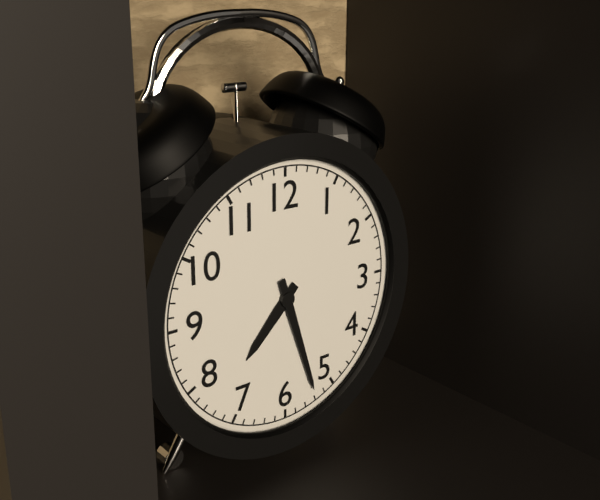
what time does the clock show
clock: 7:27
